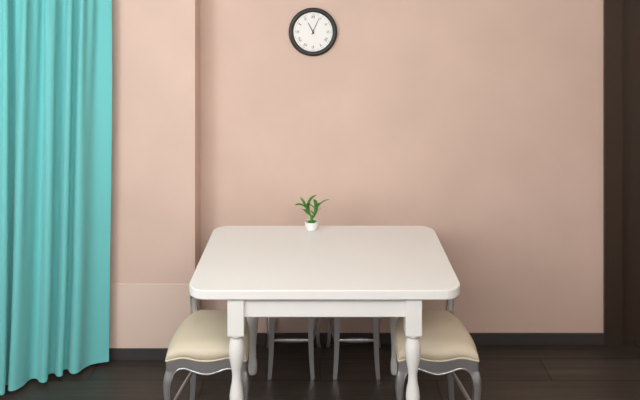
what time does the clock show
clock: 11:04
